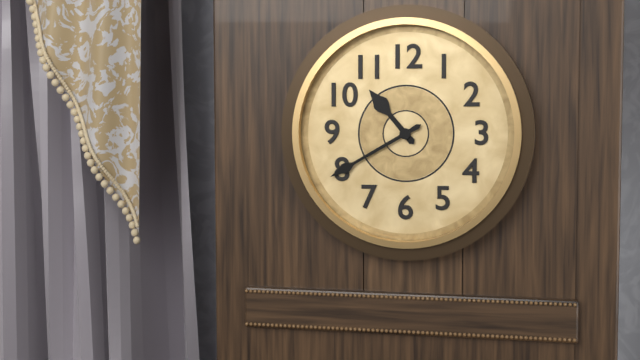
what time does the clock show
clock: 10:40
